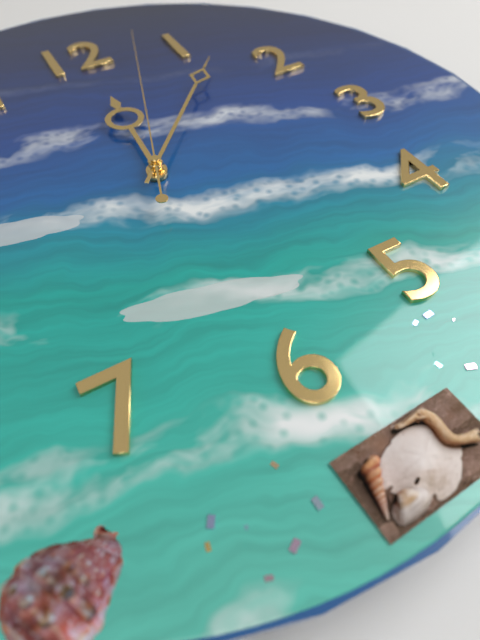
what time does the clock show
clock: 12:07:03
